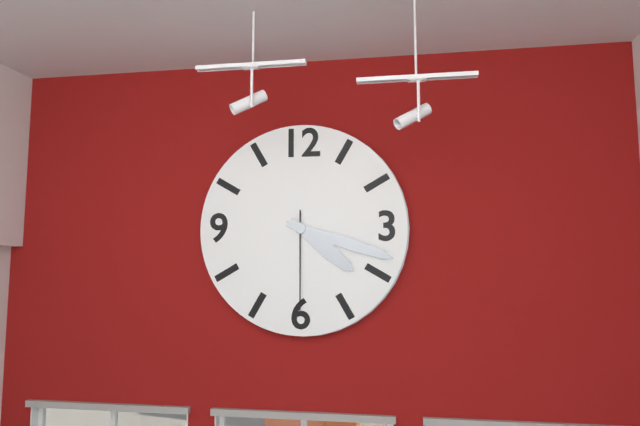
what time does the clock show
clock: 4:18:30
